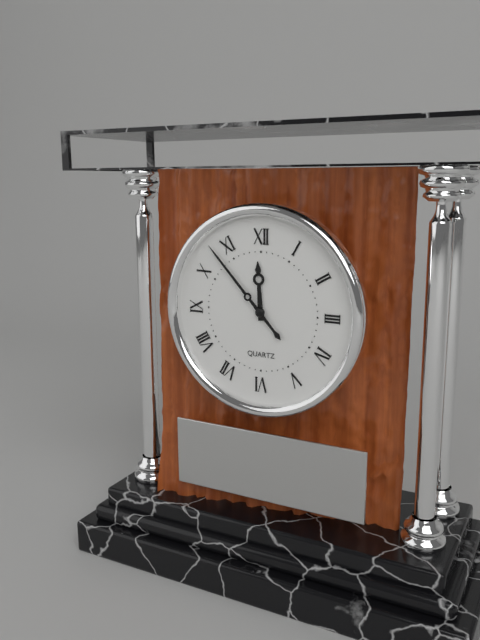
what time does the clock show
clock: 11:53
